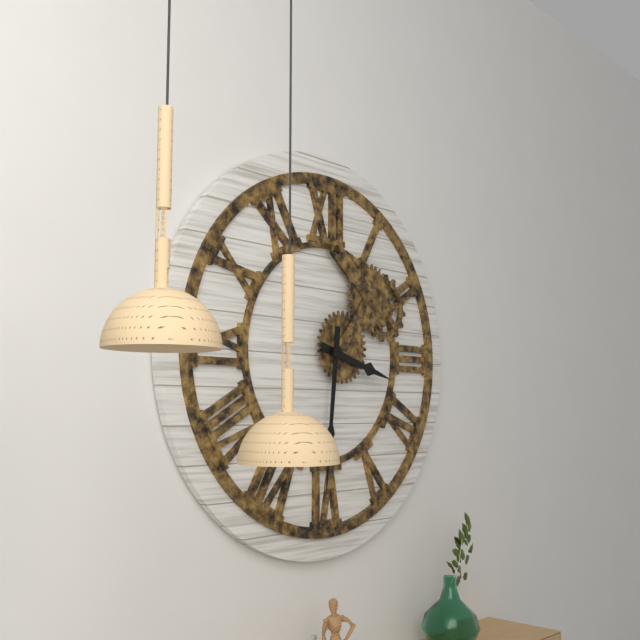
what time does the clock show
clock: 3:31
